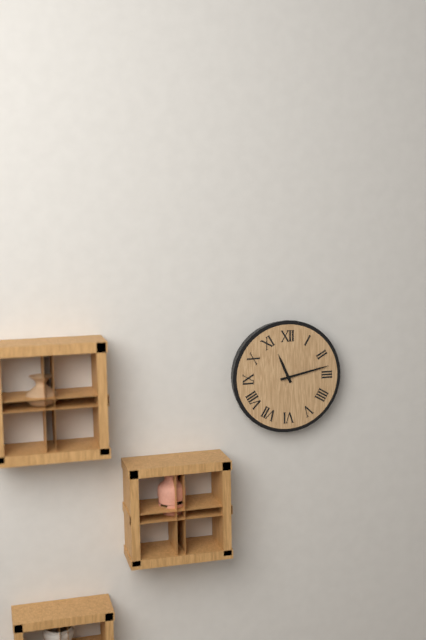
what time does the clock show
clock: 11:13
